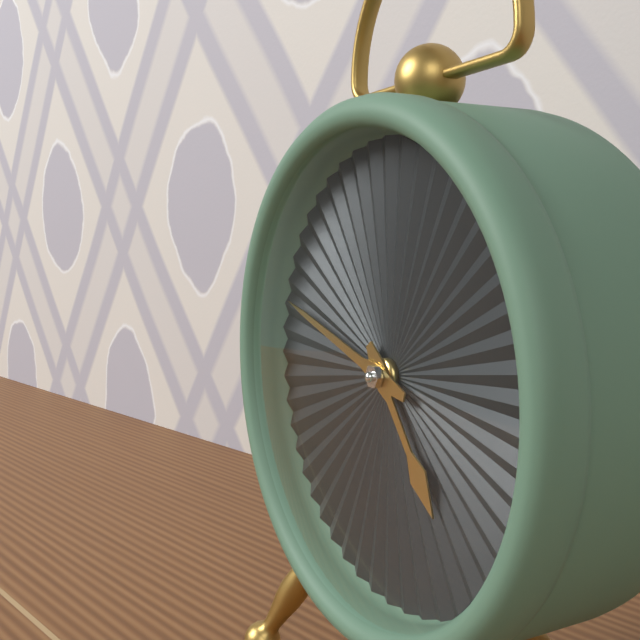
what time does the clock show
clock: 4:48
